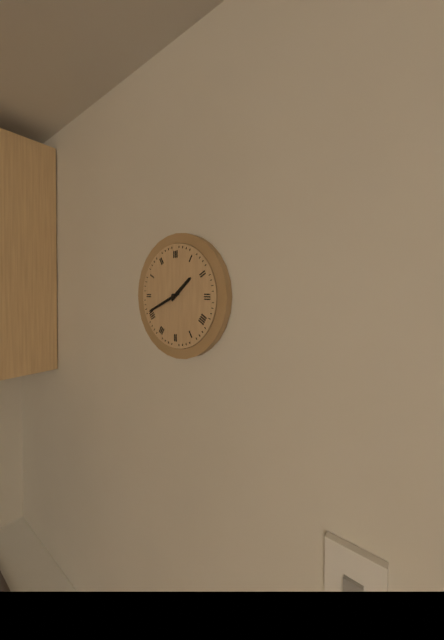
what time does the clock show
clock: 1:41
